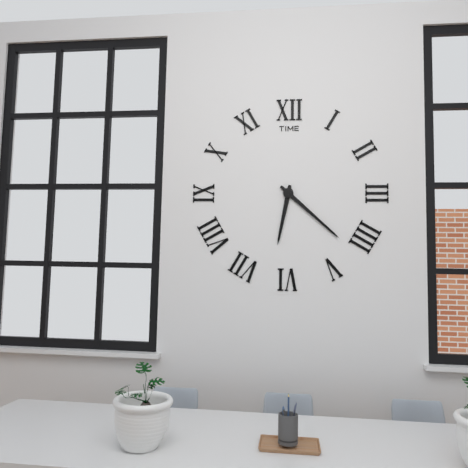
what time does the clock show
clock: 6:22
